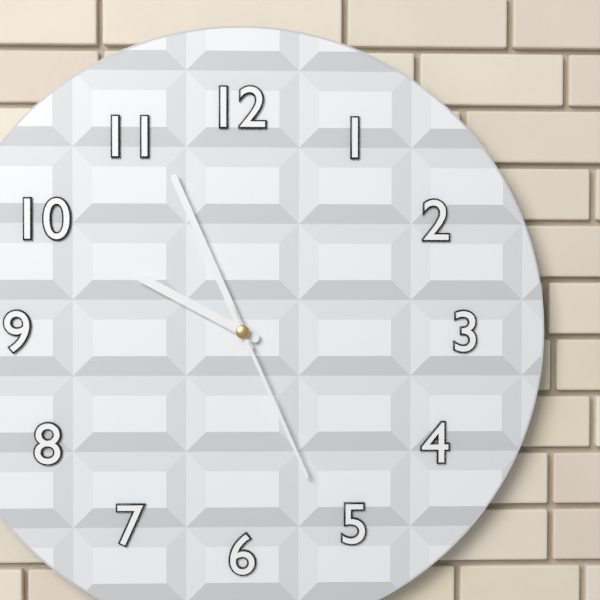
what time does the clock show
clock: 9:56:26
